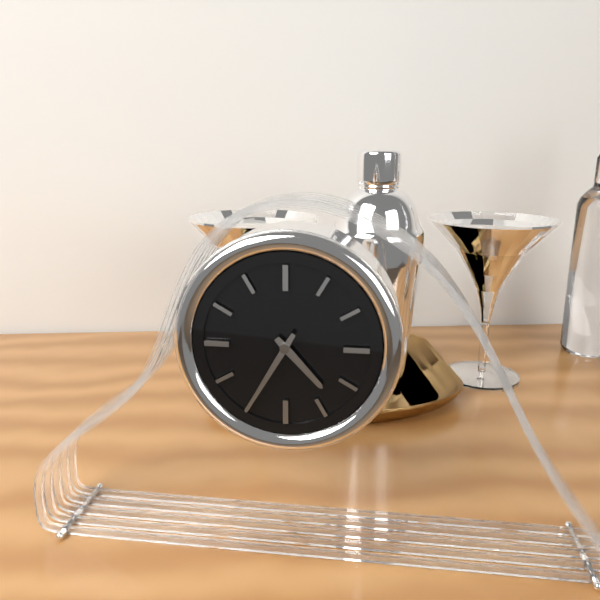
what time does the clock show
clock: 4:35
